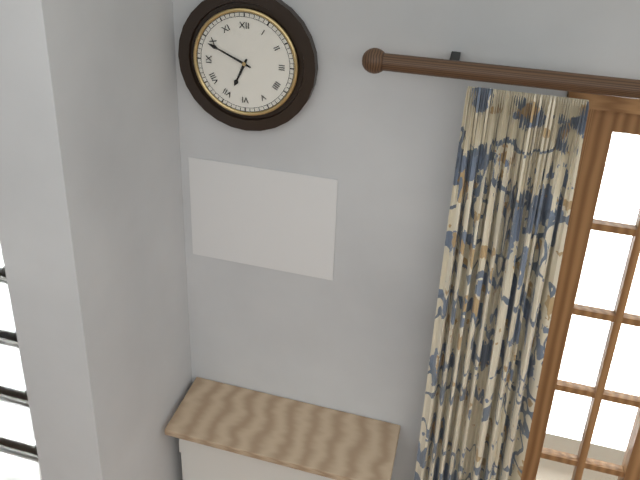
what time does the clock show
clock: 6:49
